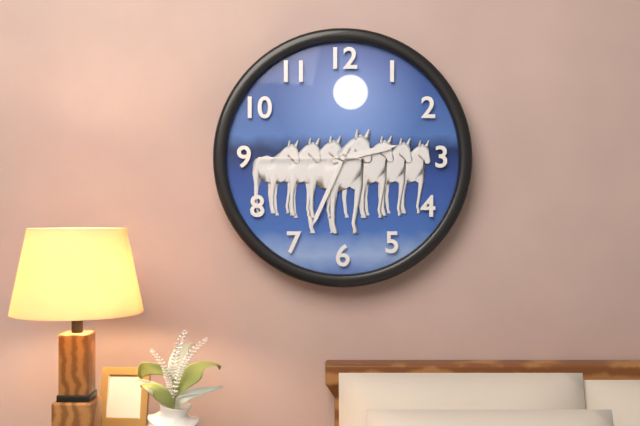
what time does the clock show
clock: 2:34:45
